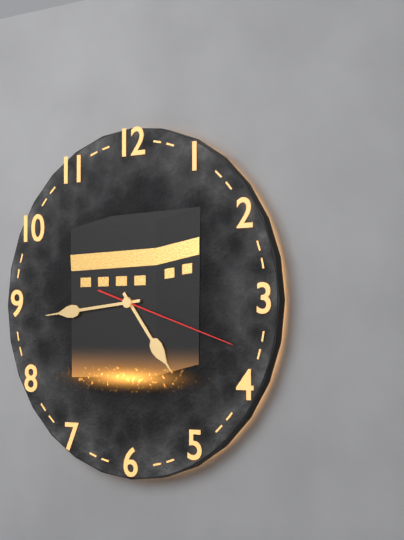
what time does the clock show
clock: 4:44:18
